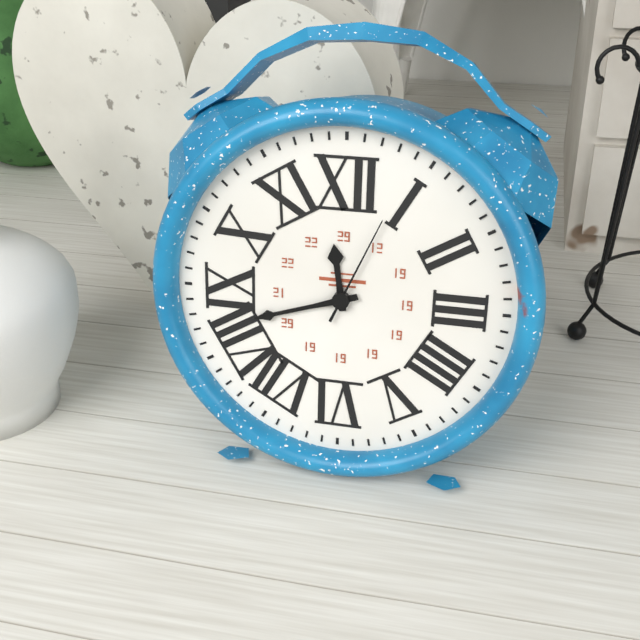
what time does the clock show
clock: 11:42:04
